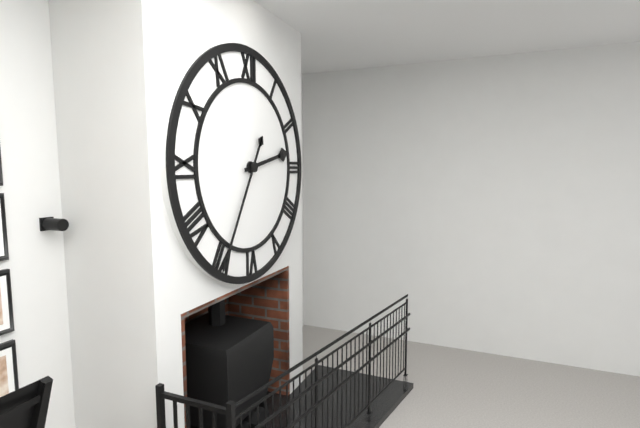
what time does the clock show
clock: 2:35
